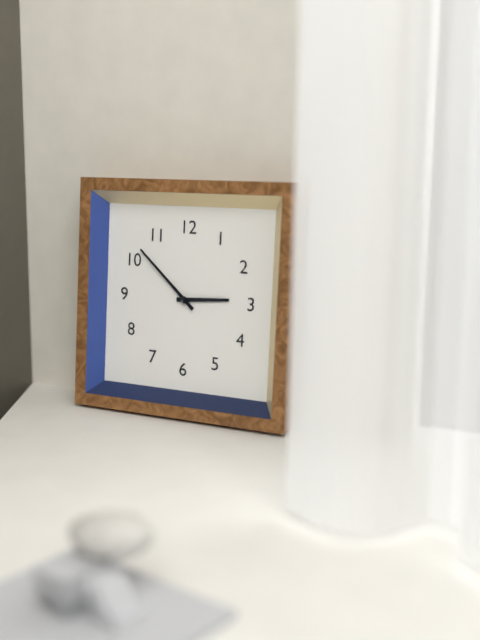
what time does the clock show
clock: 2:52
